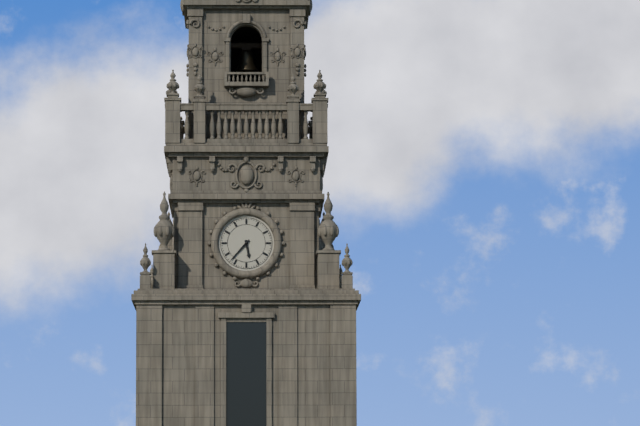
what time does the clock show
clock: 5:37
